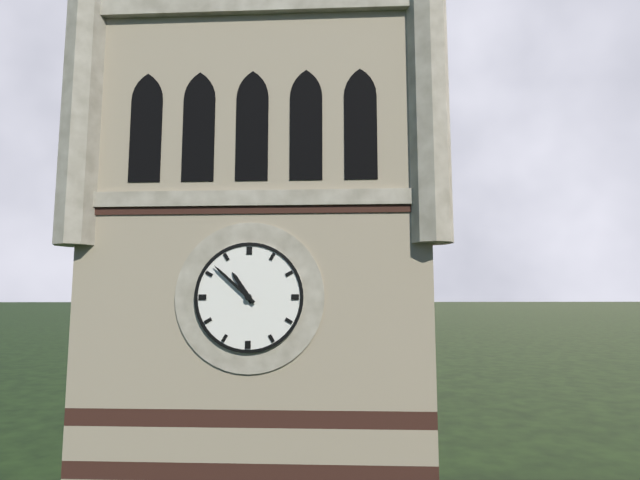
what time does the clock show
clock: 10:52
